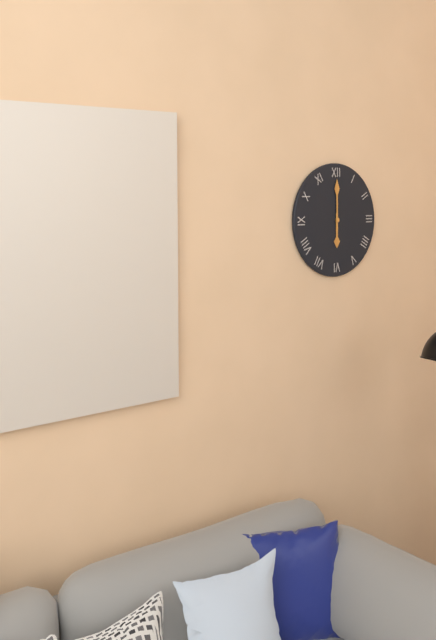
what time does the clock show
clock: 6:00
